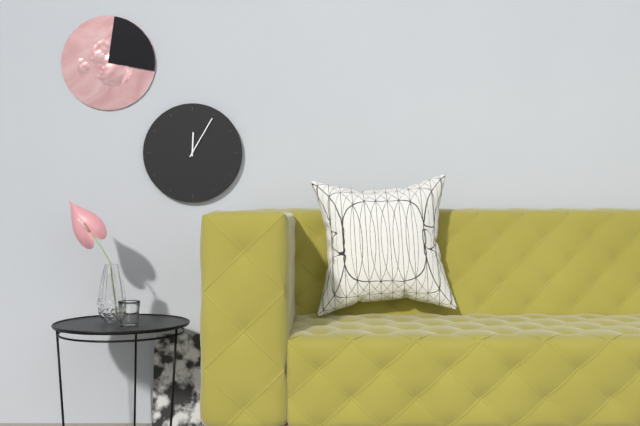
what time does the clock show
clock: 12:05
